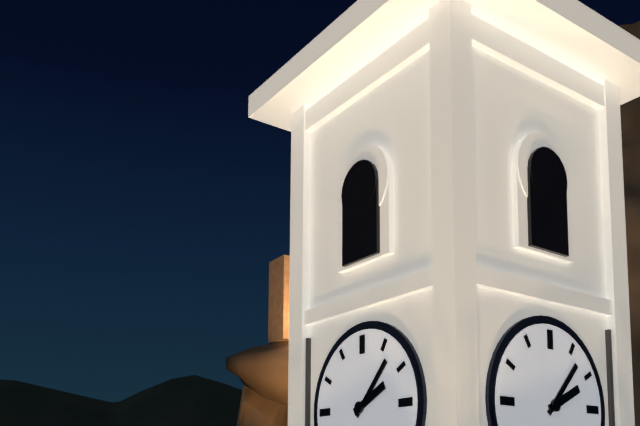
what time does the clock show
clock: 2:07
